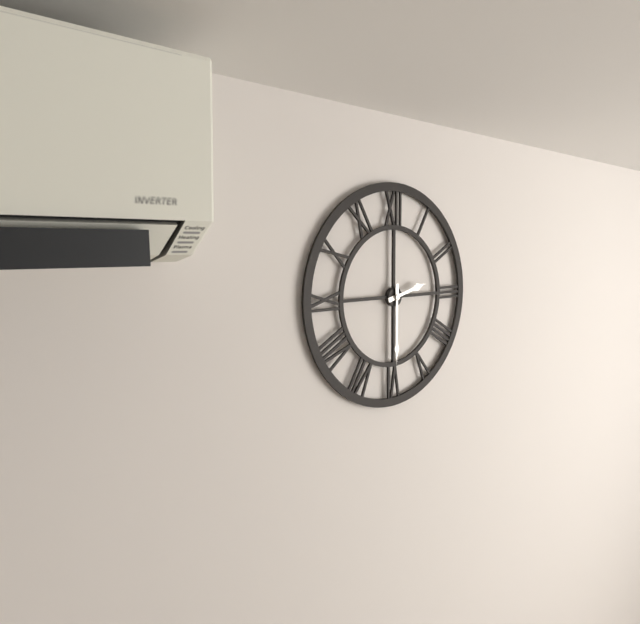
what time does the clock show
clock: 2:30
